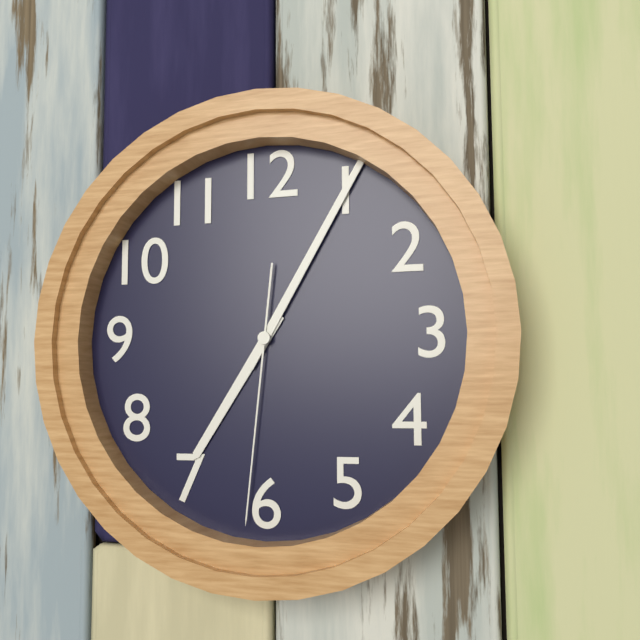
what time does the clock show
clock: 7:05:31
